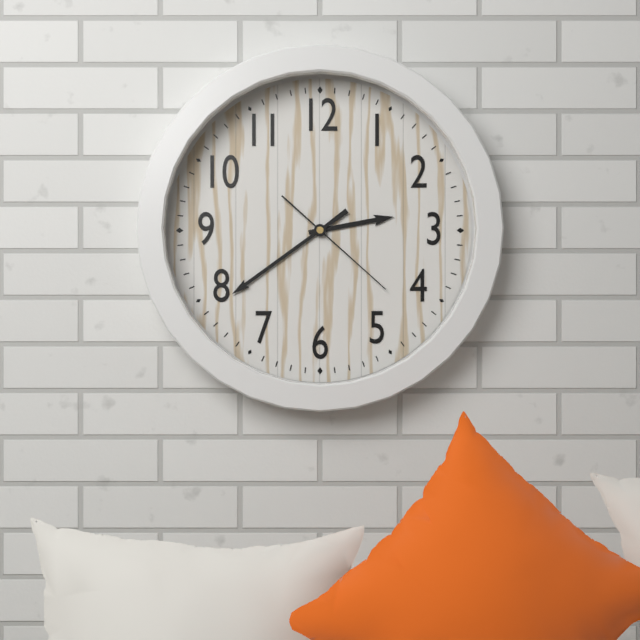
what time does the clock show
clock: 2:39:22
